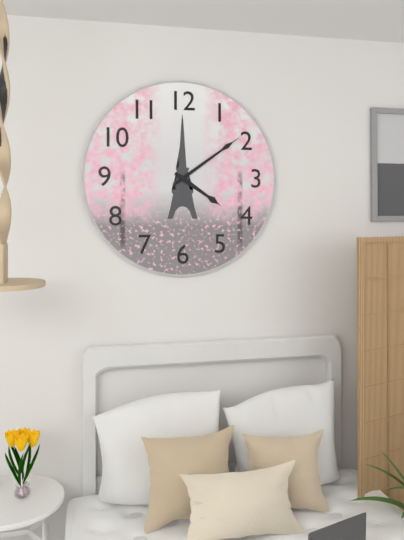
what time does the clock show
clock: 4:09
